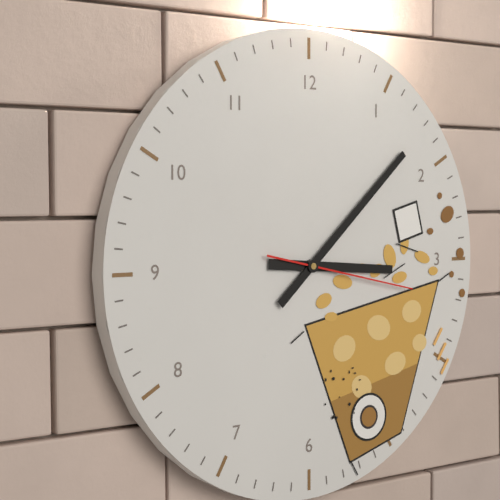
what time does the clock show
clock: 3:08:17
